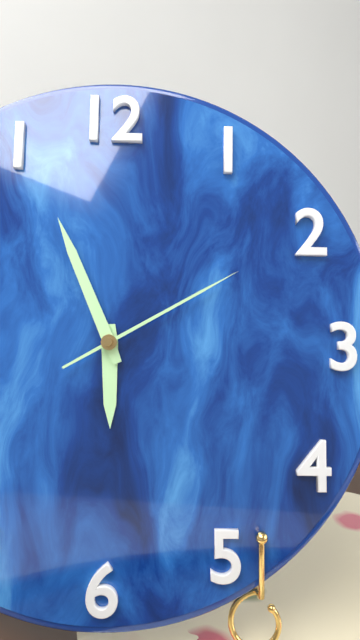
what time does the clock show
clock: 5:56:10
